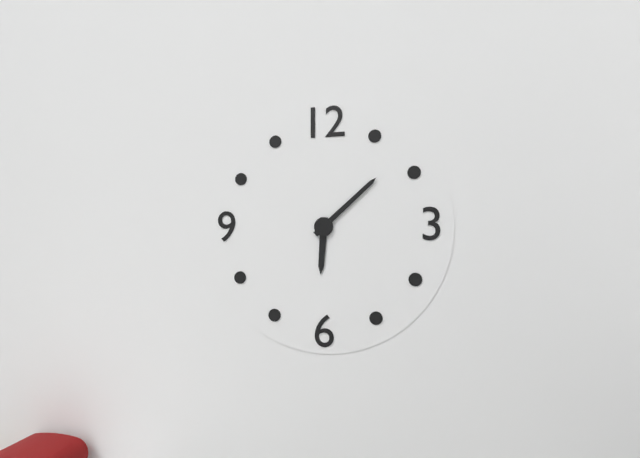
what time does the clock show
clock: 6:08
